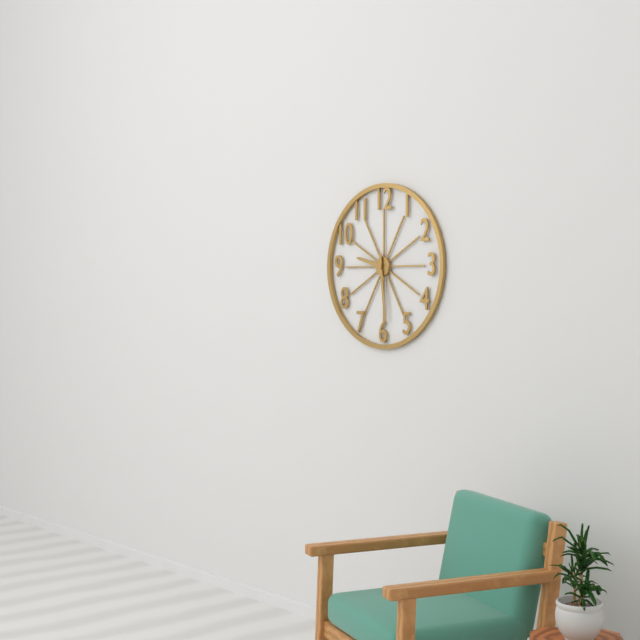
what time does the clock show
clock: 9:29
